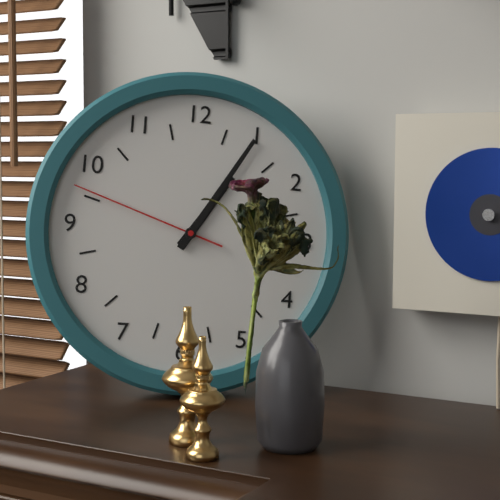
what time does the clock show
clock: 1:05:48
